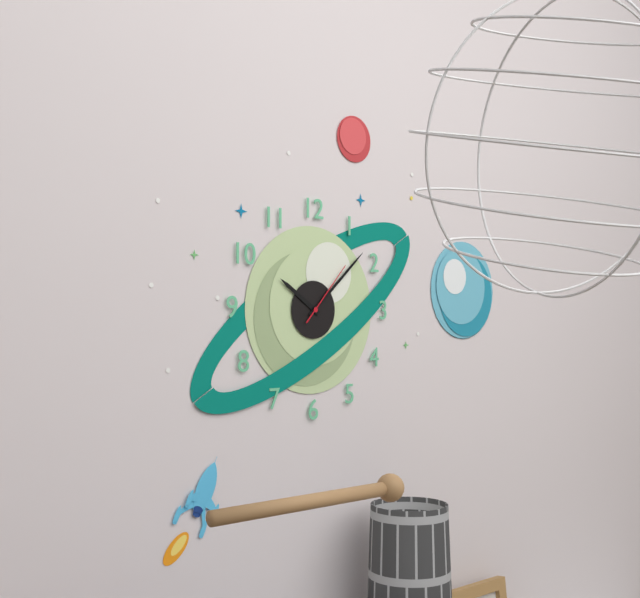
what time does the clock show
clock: 10:08:07
